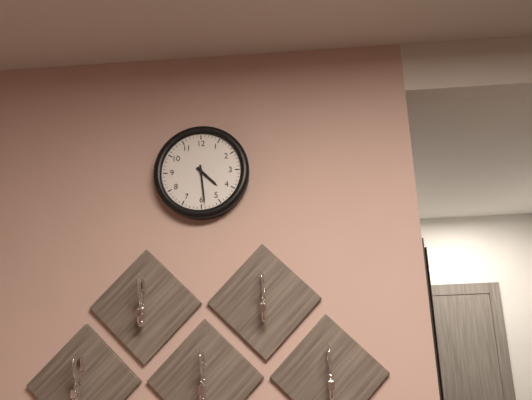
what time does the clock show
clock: 4:29
